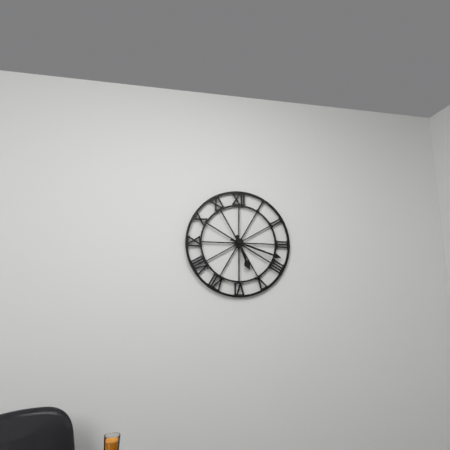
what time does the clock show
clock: 5:18
